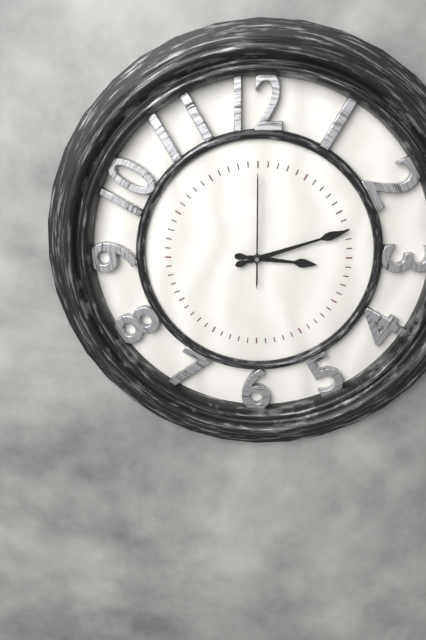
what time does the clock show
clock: 3:12:00
